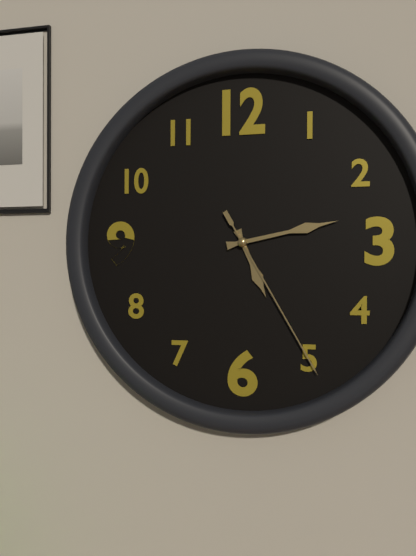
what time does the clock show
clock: 5:13:25
